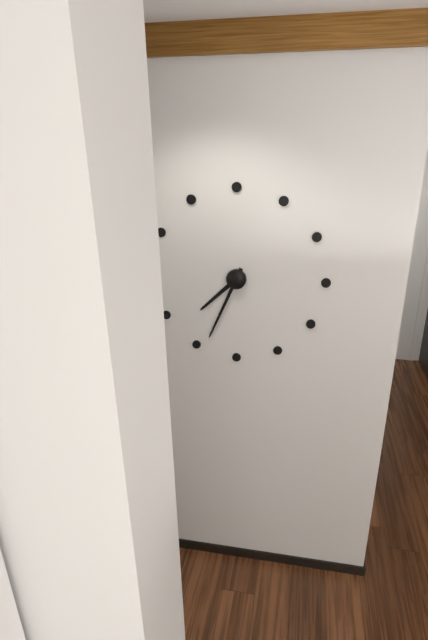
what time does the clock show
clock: 7:34
